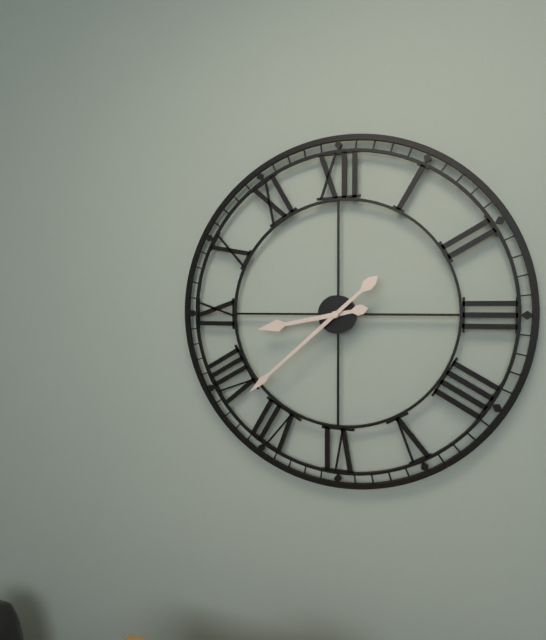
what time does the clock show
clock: 8:38
